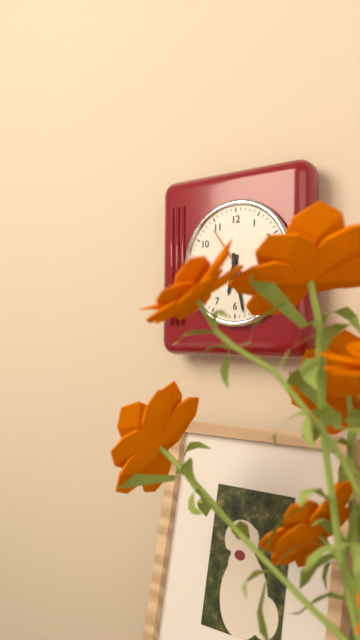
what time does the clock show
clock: 6:28
